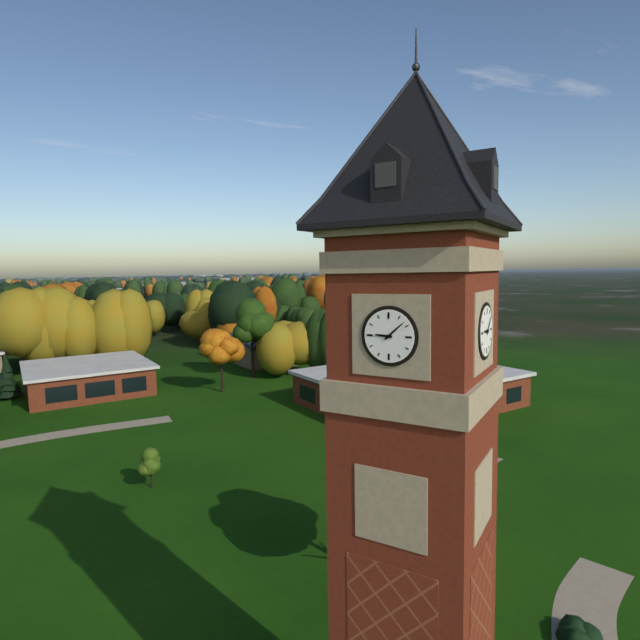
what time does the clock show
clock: 9:08
